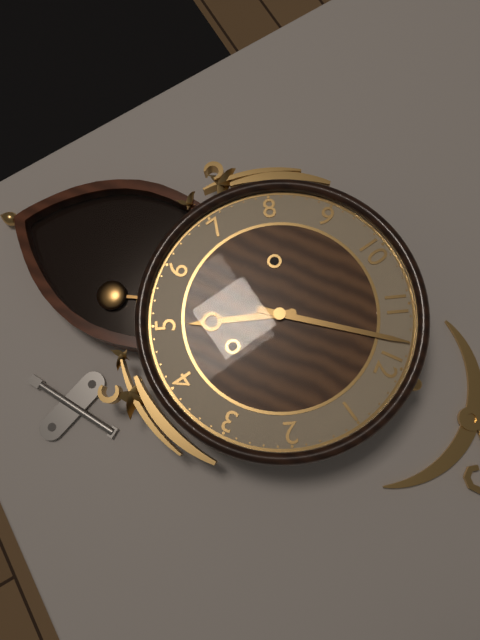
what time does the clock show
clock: 4:58
